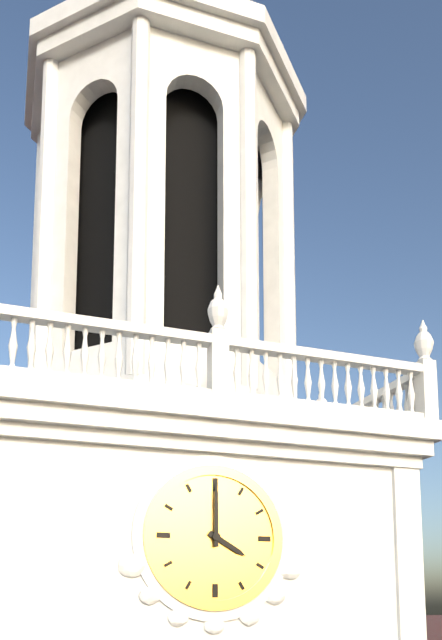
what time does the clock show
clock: 4:00
